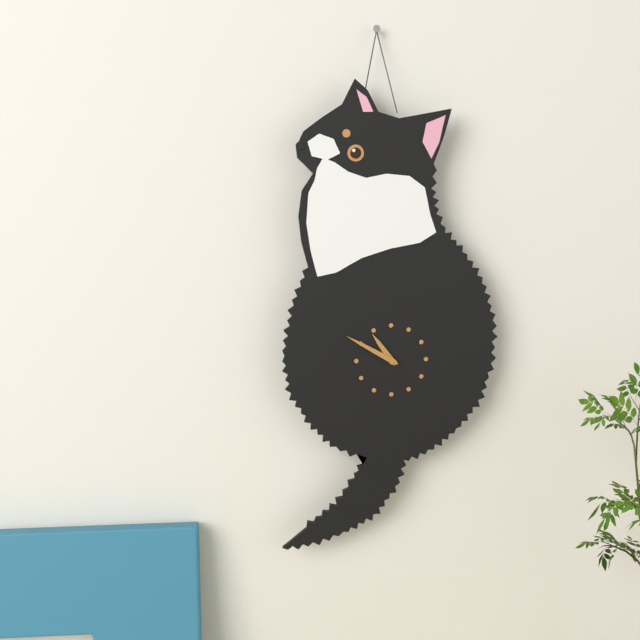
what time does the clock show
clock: 10:50
